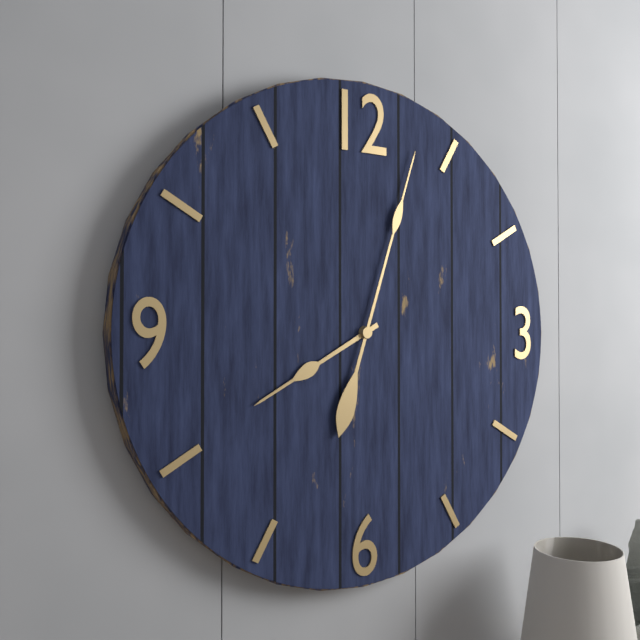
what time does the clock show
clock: 8:03
